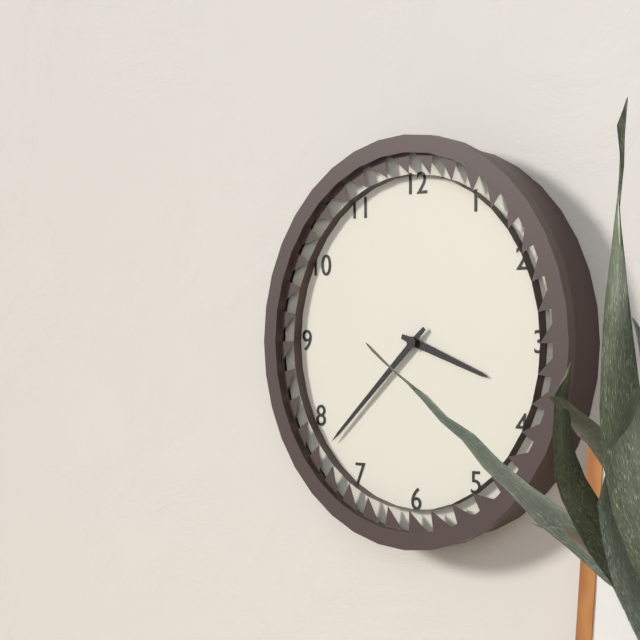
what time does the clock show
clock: 3:38
